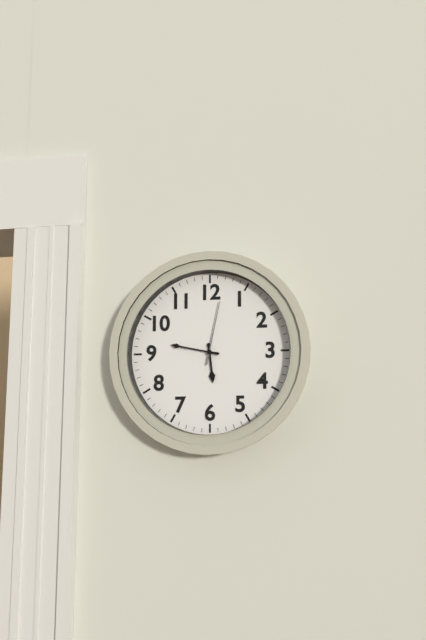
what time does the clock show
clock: 5:47:02
